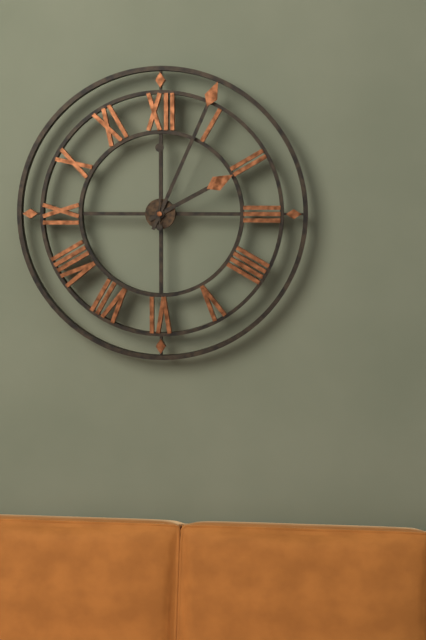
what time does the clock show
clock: 2:04:00
